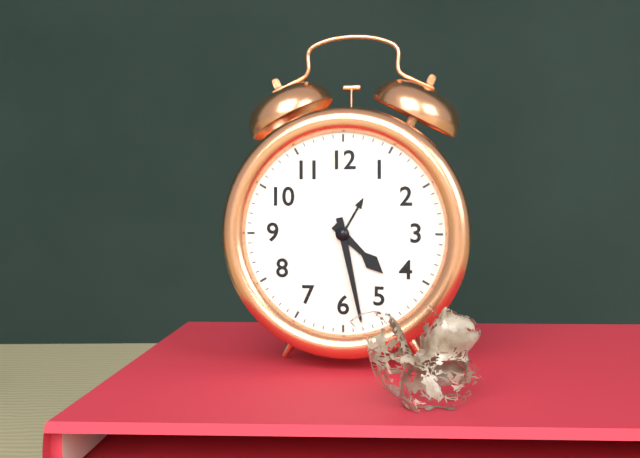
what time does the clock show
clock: 4:28
